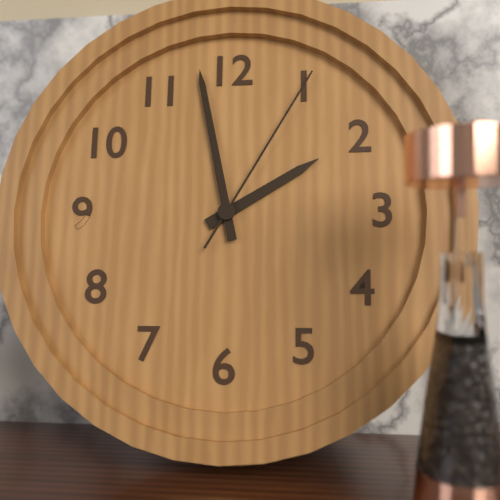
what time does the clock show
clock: 1:58:05
